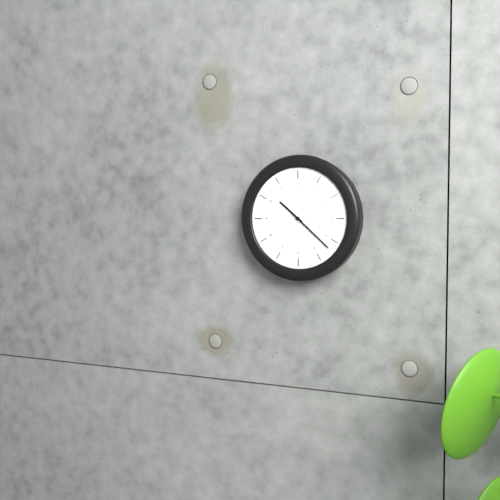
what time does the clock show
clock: 10:22
